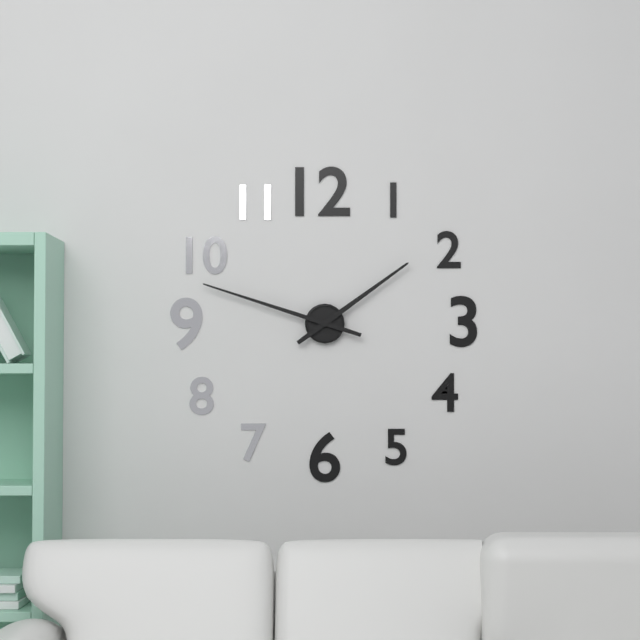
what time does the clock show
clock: 1:48
